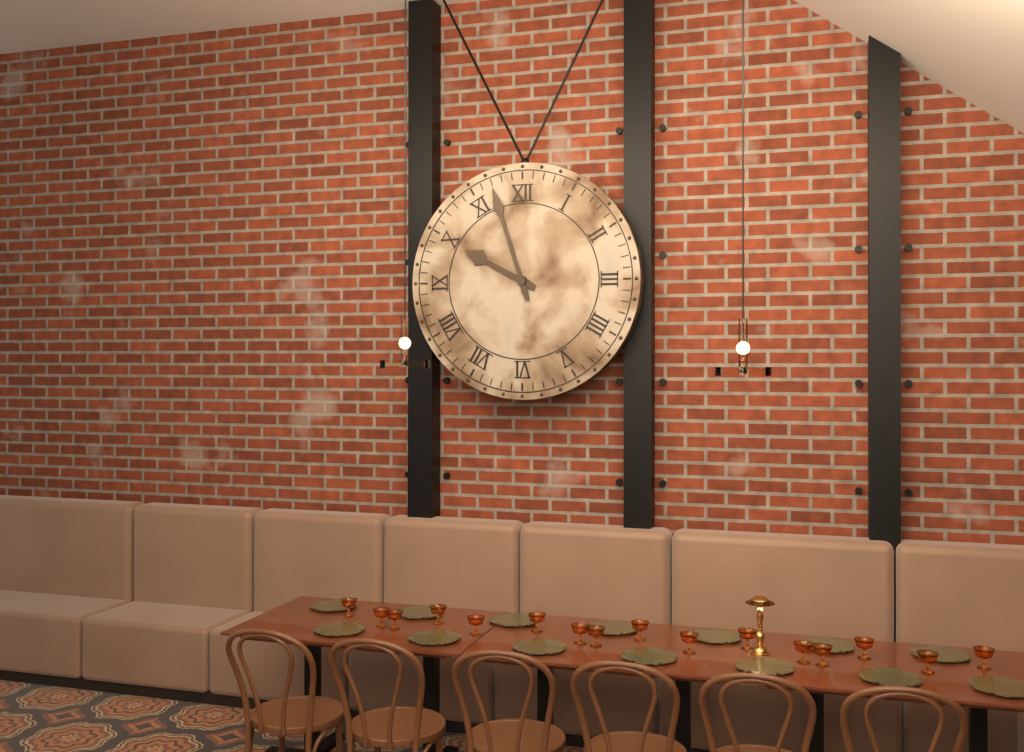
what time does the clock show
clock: 9:57
